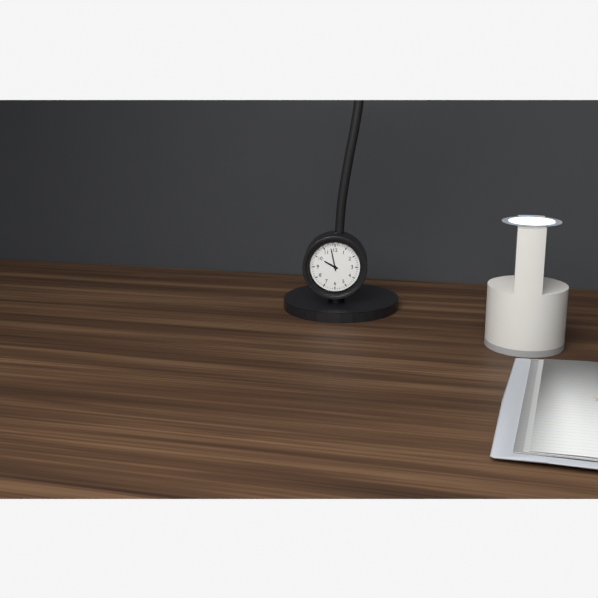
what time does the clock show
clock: 9:58
